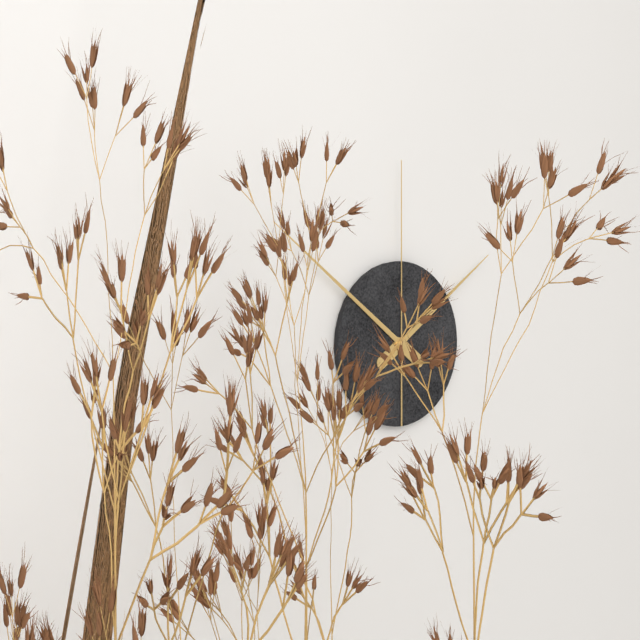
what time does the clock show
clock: 1:51:00
